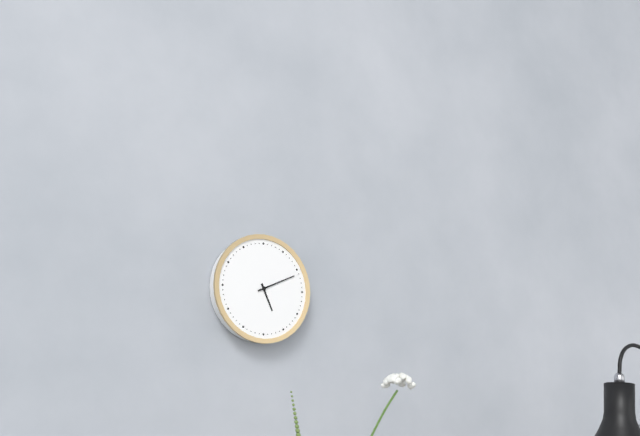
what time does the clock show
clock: 5:11
